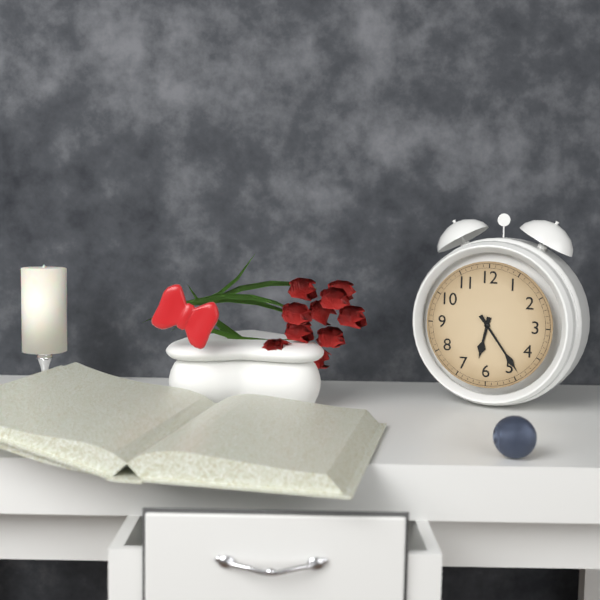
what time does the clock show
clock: 6:24
